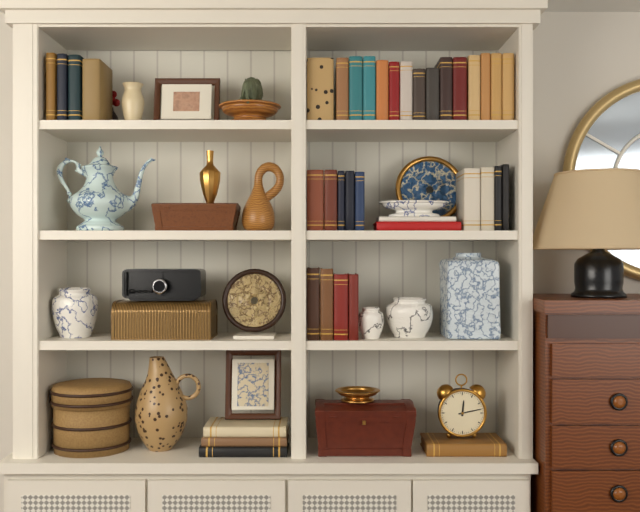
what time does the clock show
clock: 12:13
